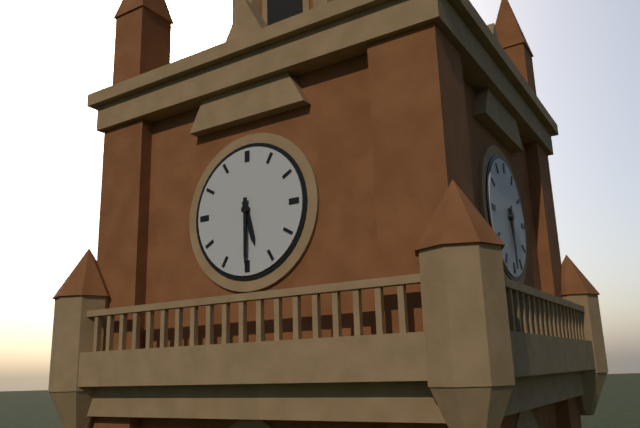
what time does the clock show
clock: 5:30
